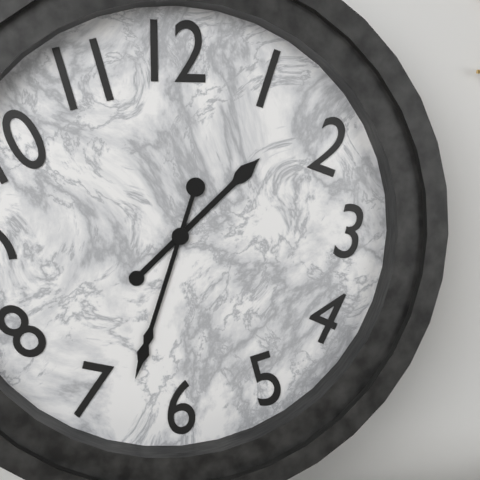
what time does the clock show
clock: 1:33
